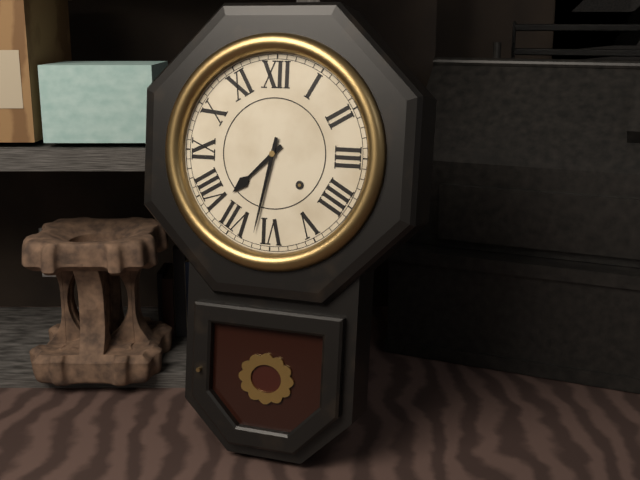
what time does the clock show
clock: 7:32
